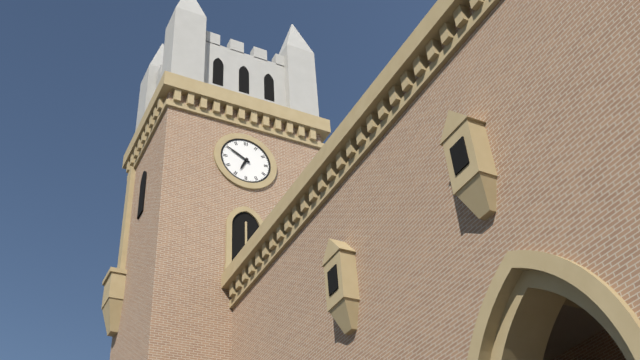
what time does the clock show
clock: 6:50
